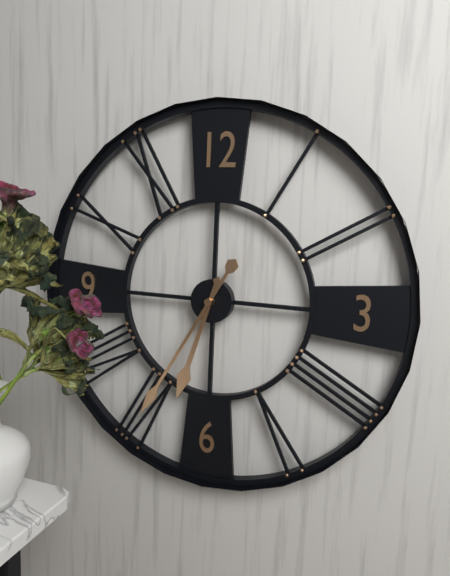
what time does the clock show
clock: 6:35
